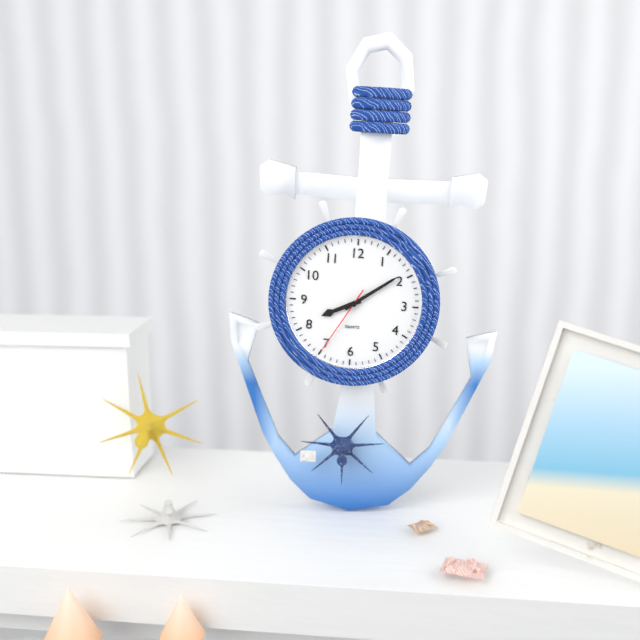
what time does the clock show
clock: 8:09:35
